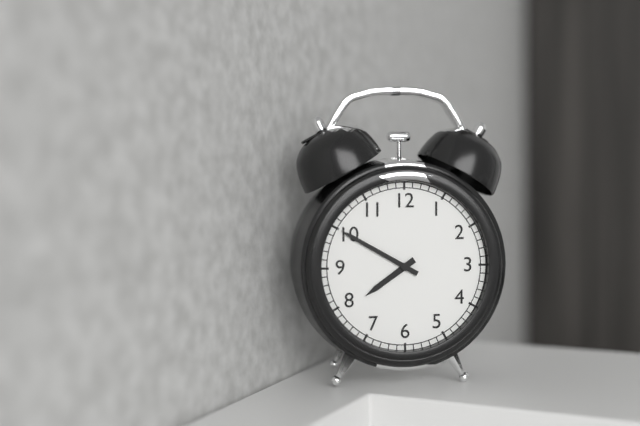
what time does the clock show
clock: 7:50
